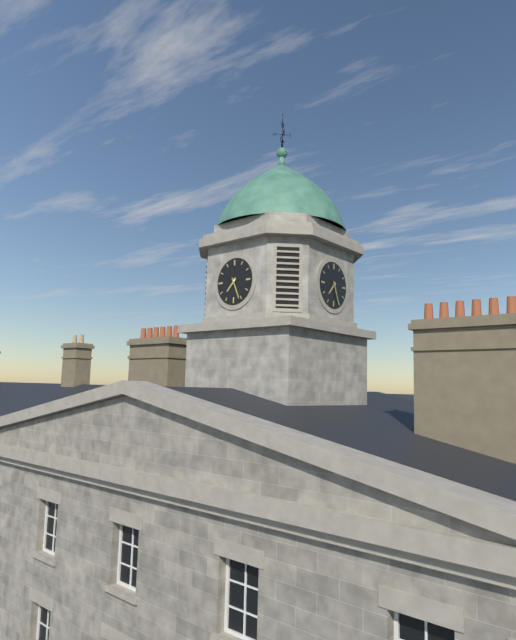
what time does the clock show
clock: 7:26
